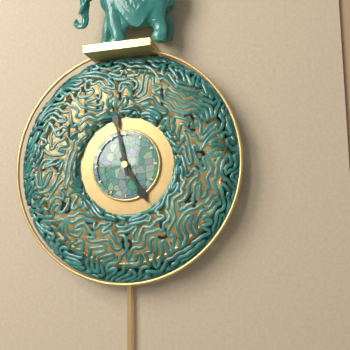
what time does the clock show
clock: 4:58
